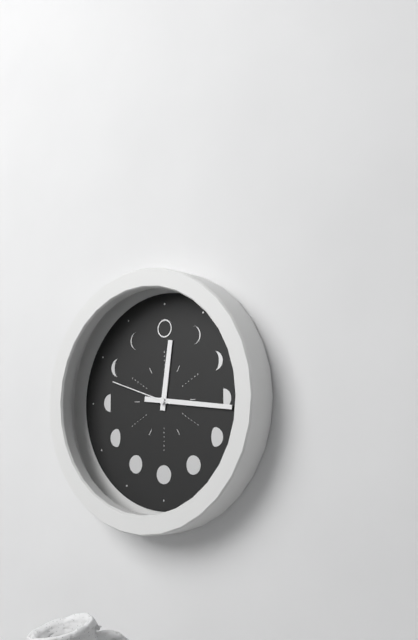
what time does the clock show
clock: 12:16:48
